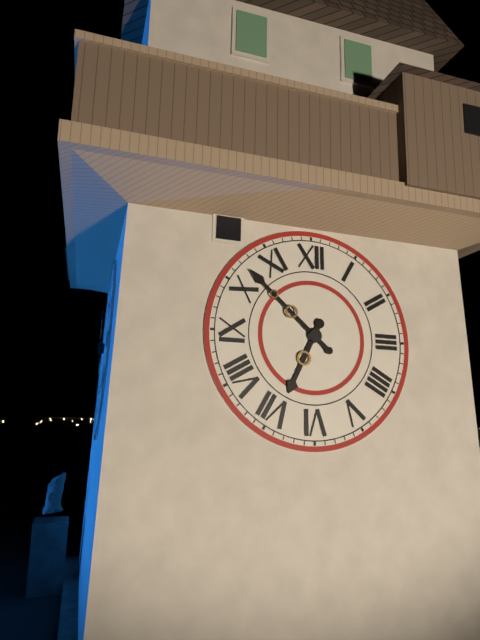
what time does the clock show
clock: 6:52
